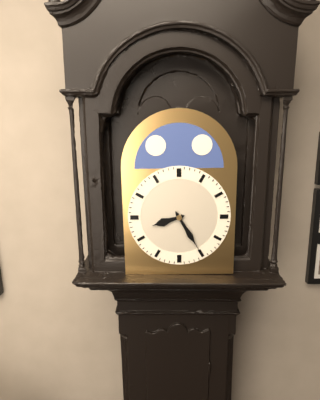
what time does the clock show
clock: 8:25
